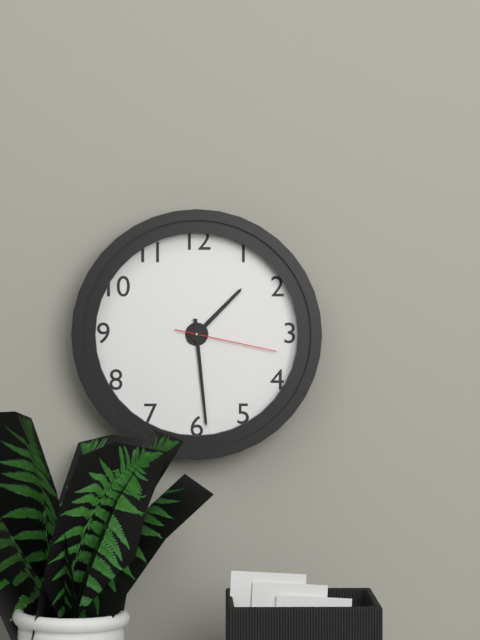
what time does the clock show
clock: 1:29:17
